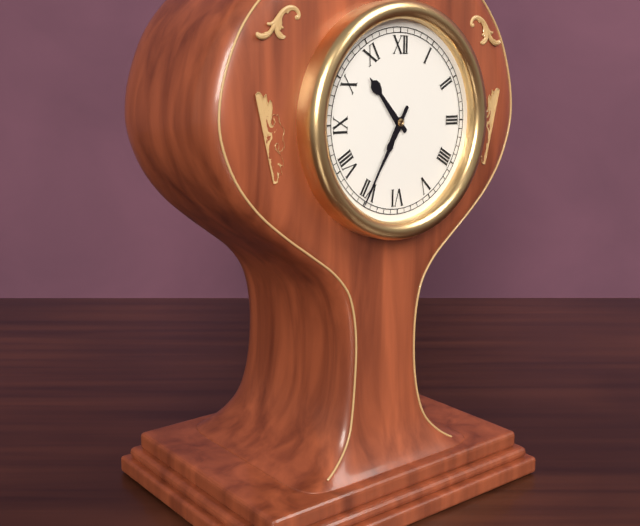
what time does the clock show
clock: 10:35
